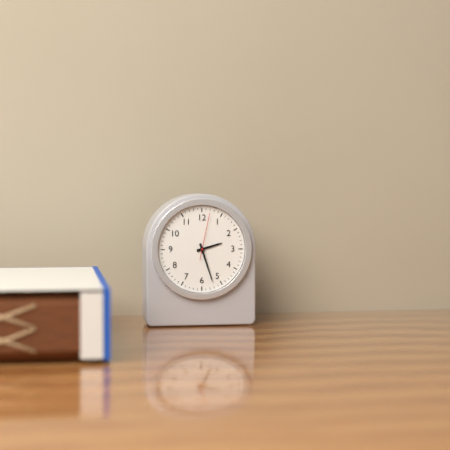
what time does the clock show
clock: 2:27
